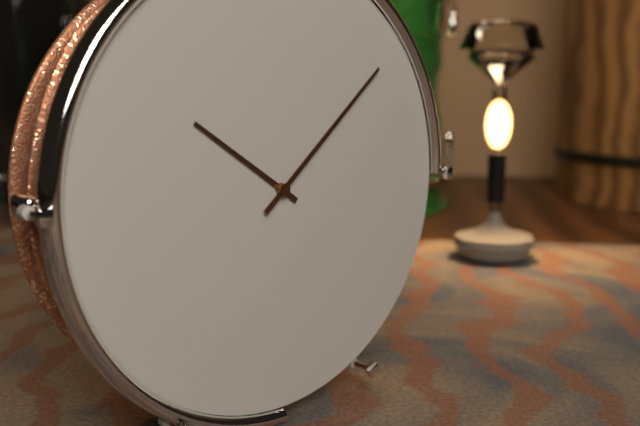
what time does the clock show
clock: 10:08
